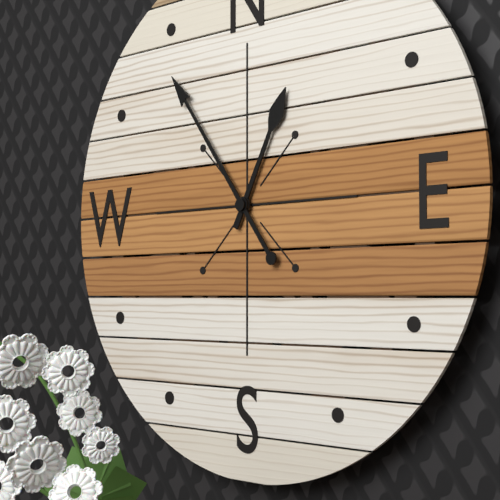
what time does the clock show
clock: 12:54
